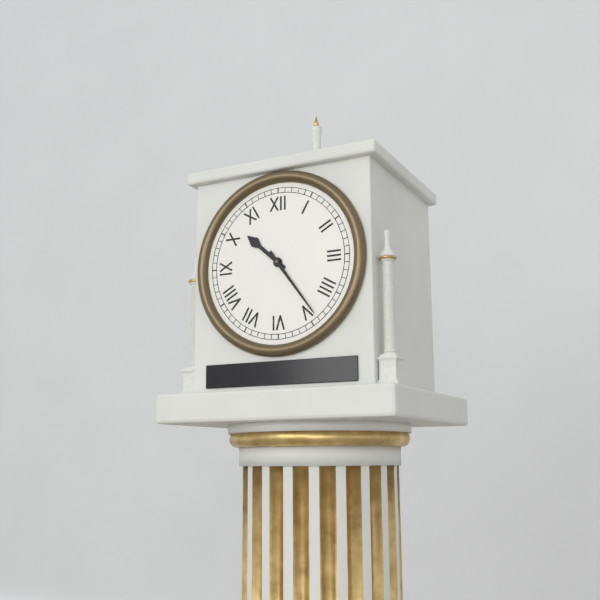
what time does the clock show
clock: 10:24
